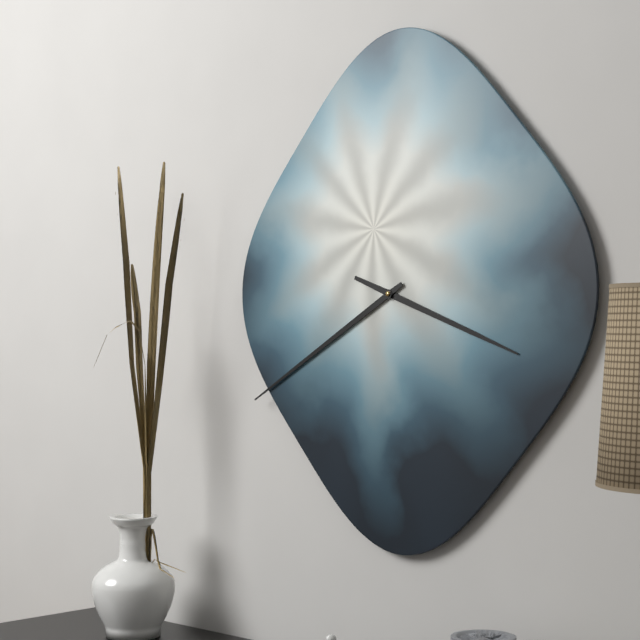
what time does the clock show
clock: 3:40
